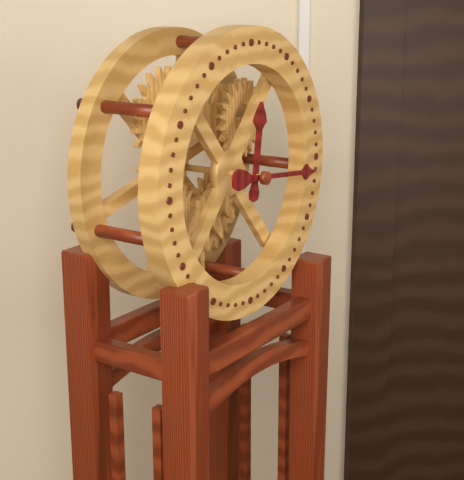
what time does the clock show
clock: 12:16
